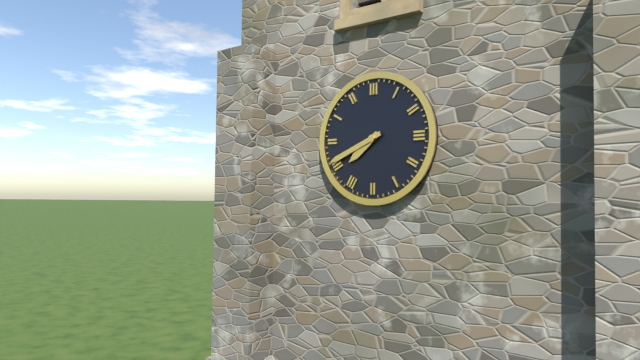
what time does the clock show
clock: 7:41
